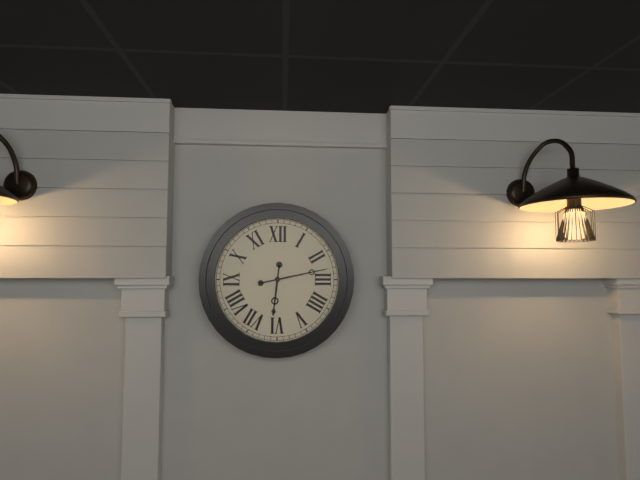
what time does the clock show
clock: 6:13
